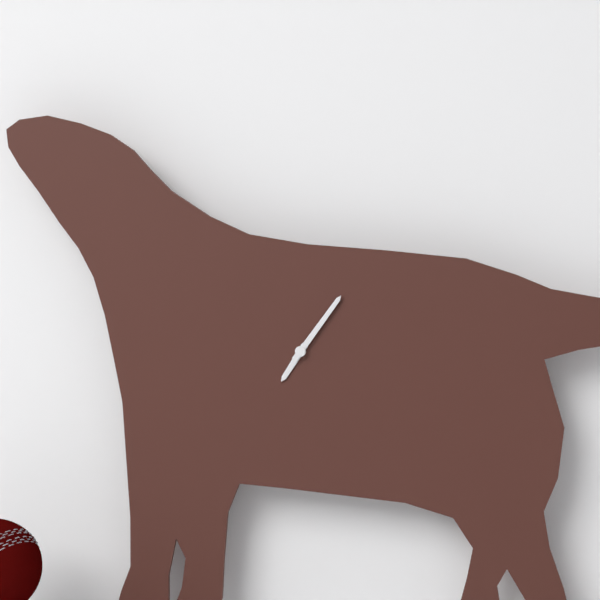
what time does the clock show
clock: 7:06
